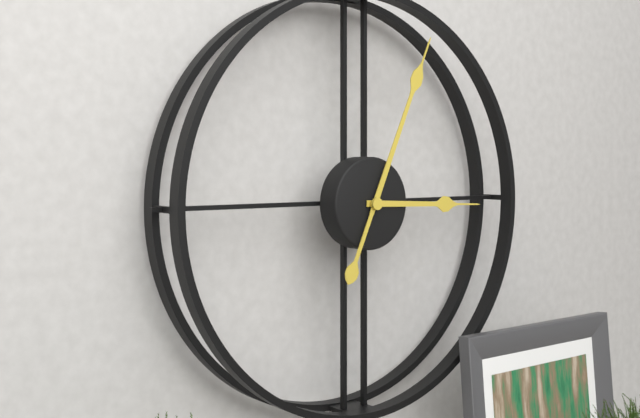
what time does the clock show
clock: 3:04
